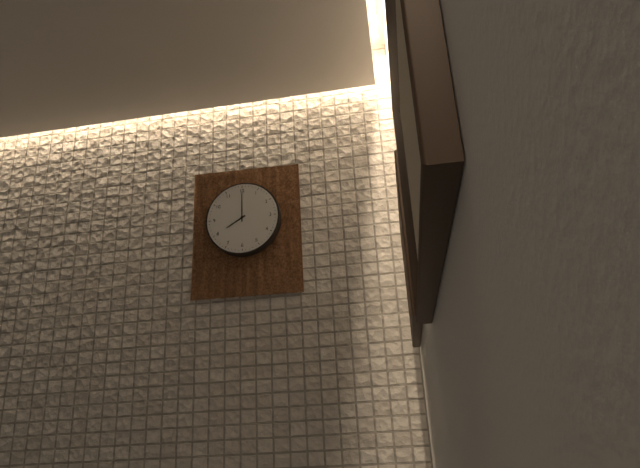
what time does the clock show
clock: 8:00
